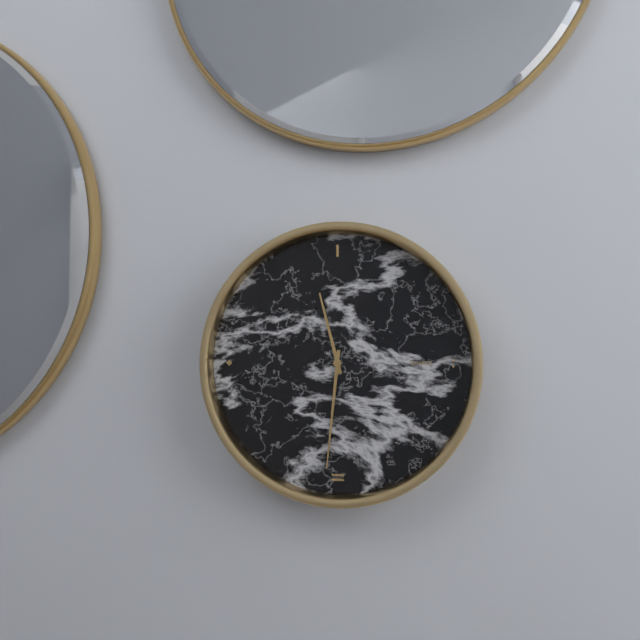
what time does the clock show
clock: 11:31
